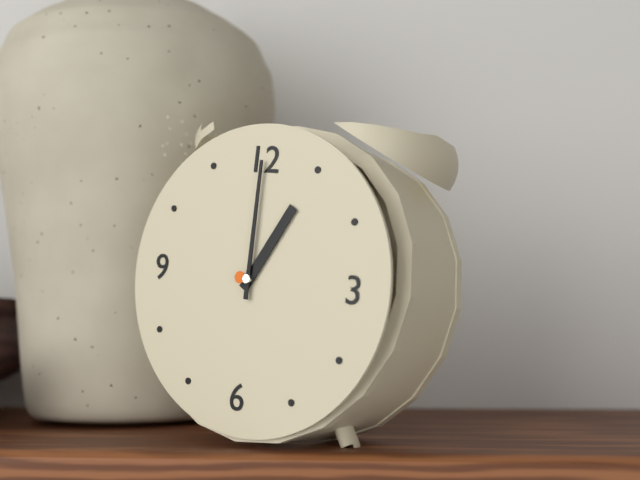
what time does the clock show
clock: 1:00
